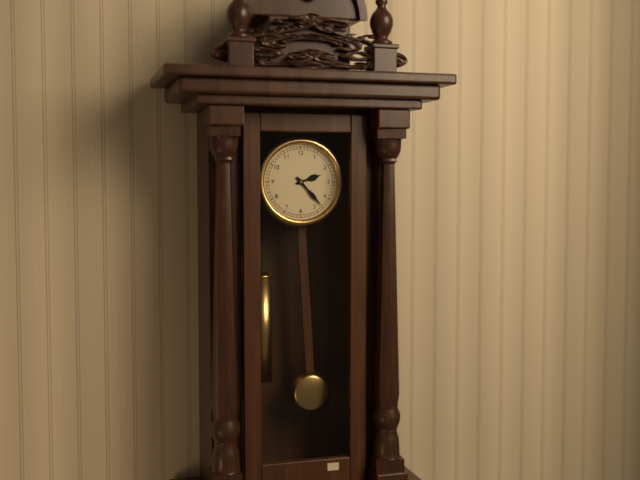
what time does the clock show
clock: 2:23
